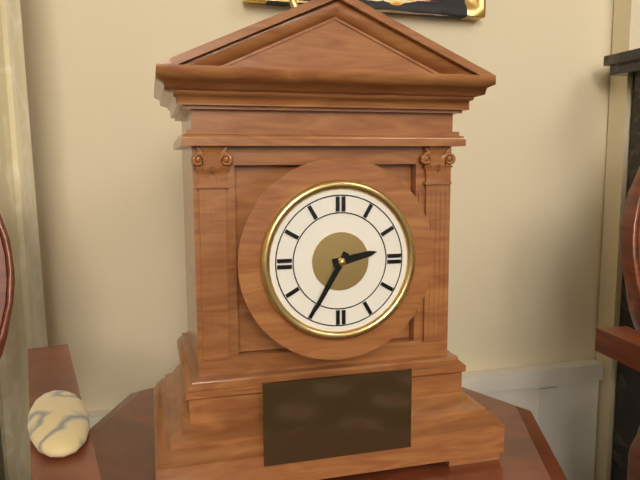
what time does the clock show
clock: 2:35
